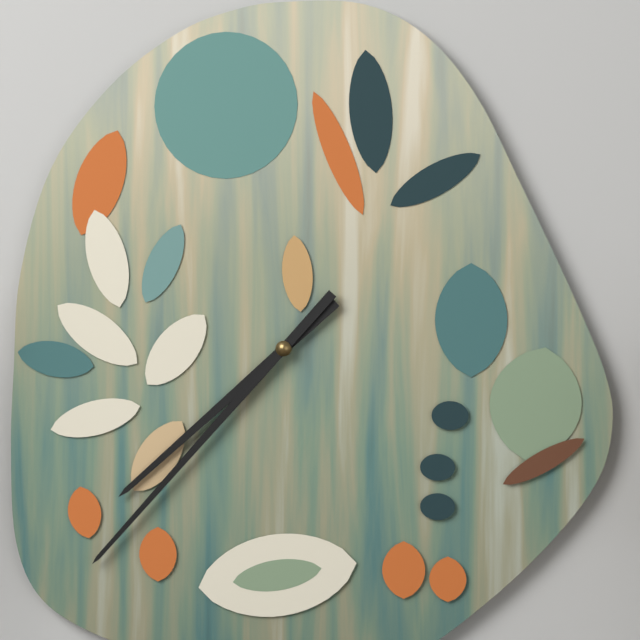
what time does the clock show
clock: 7:37
